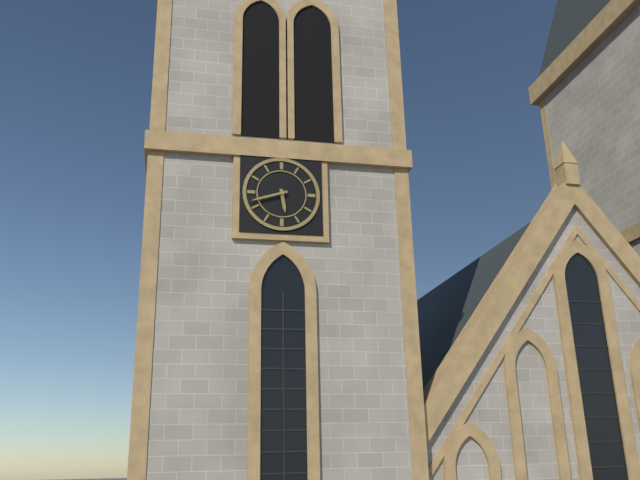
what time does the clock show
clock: 5:42
